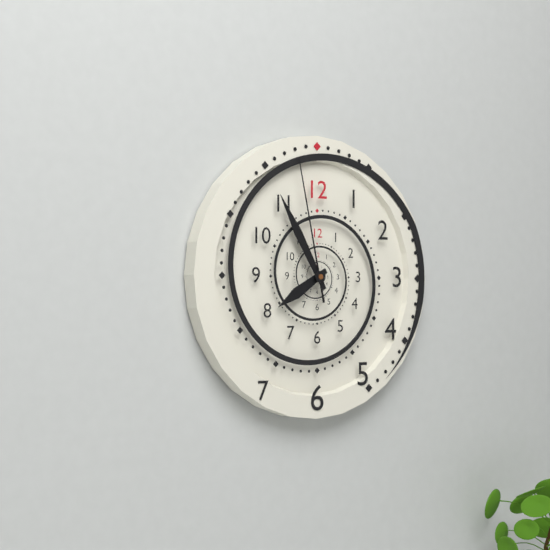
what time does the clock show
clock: 7:55:58
